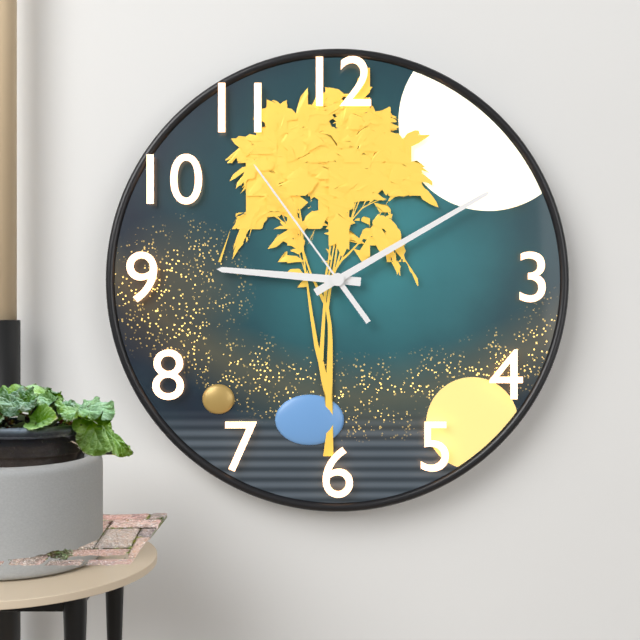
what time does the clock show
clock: 9:10:54
